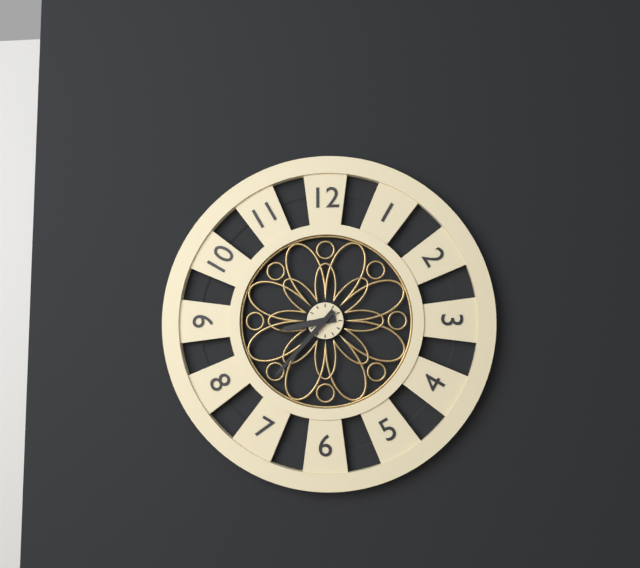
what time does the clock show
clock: 8:37
